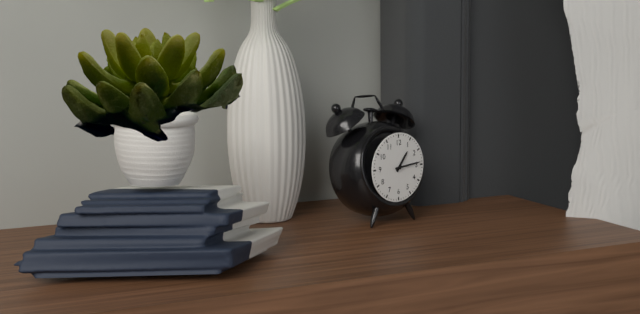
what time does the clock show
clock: 1:14
